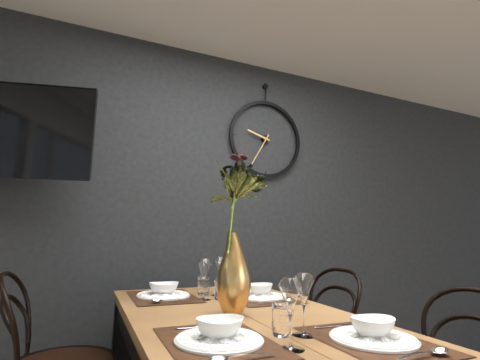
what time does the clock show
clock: 9:35
